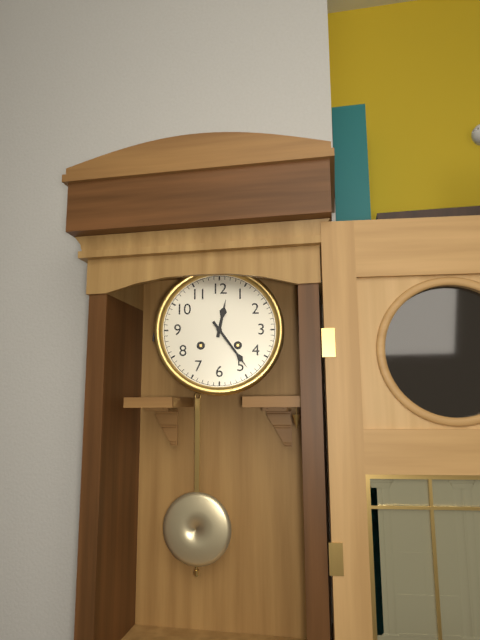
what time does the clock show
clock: 12:24
